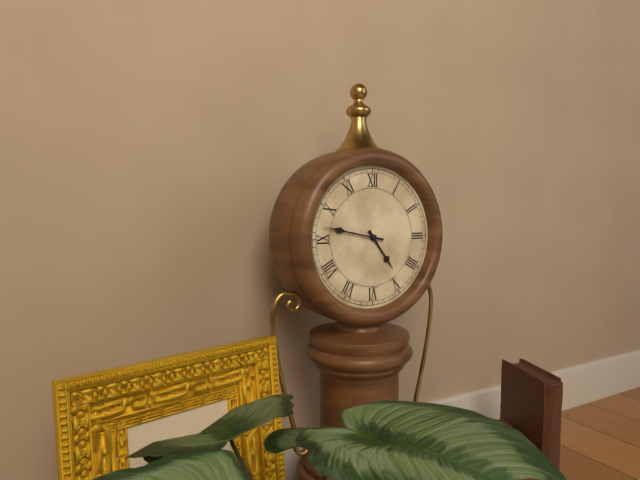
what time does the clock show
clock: 4:47
